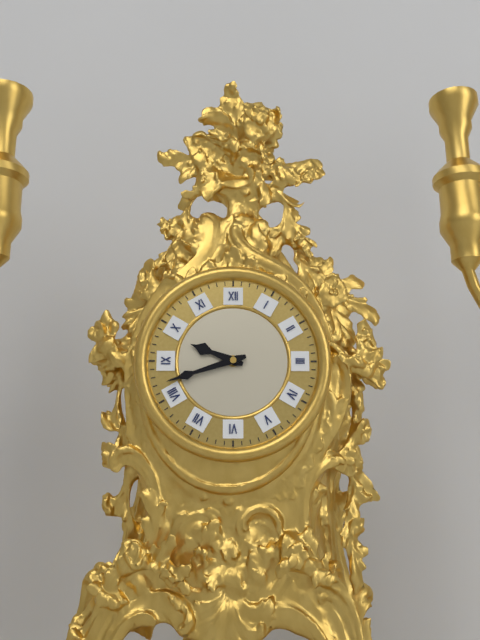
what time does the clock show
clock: 9:42
